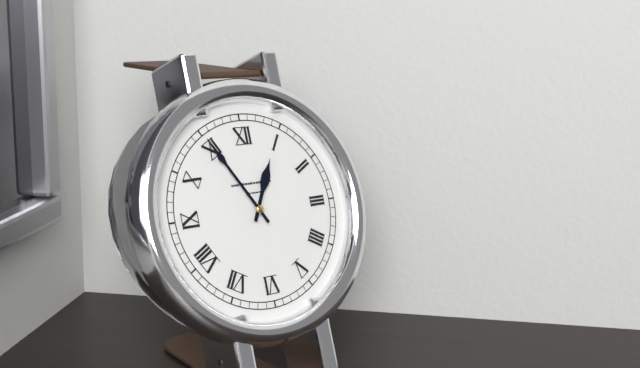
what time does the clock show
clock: 12:55
